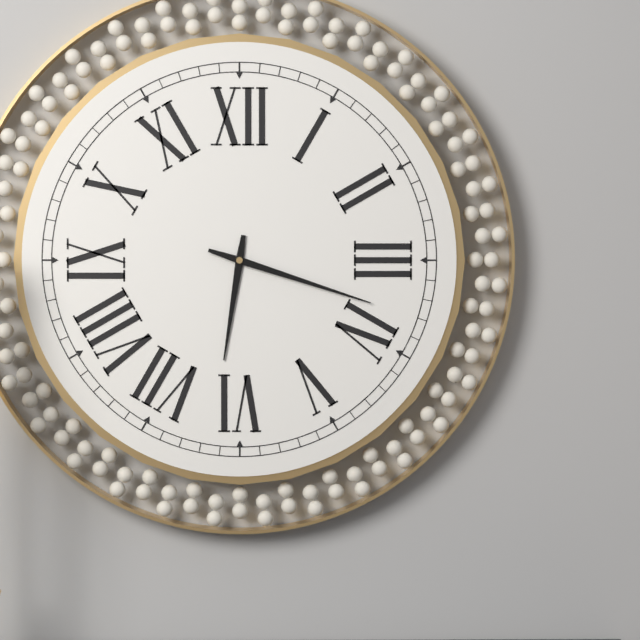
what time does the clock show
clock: 6:18
